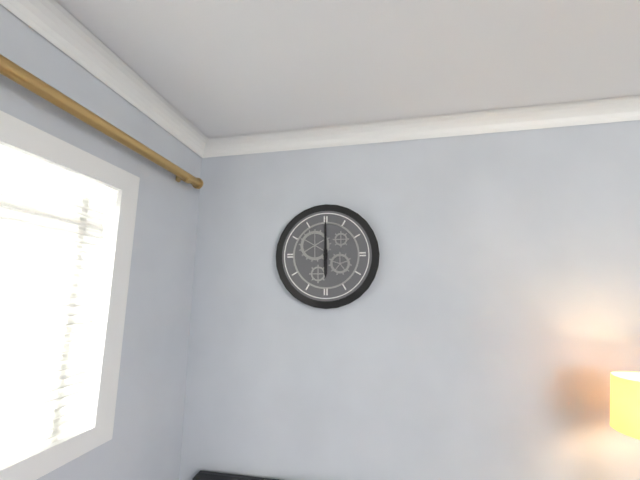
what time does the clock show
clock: 6:00
